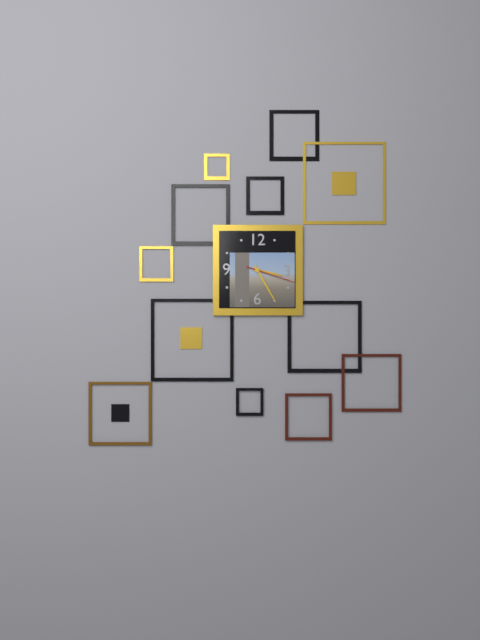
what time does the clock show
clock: 3:25:18
